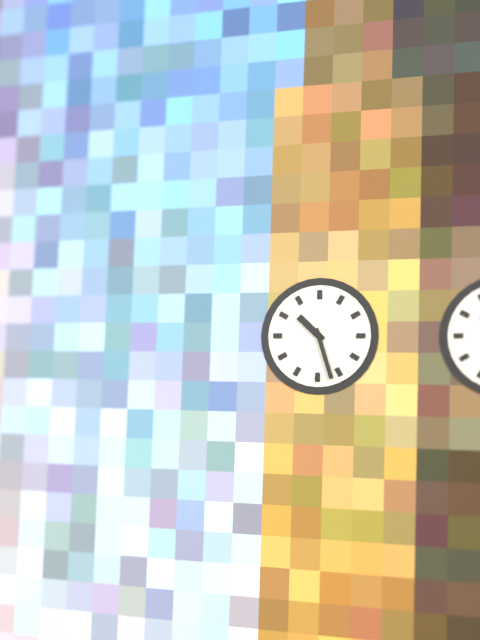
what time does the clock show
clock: 10:27
